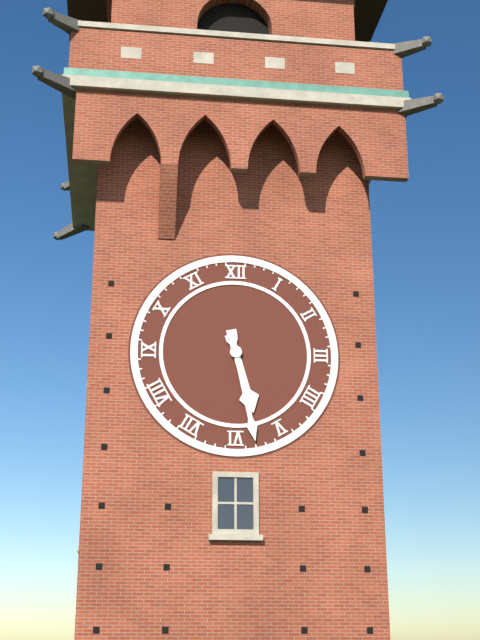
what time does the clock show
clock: 5:28
